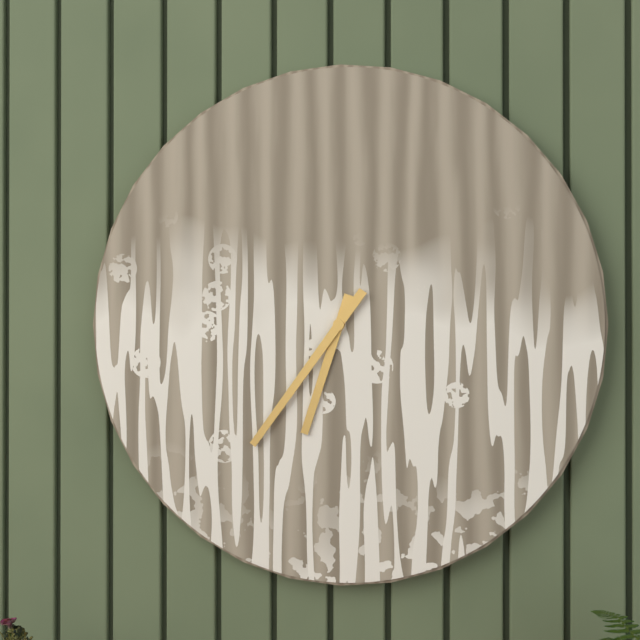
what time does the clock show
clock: 6:36
